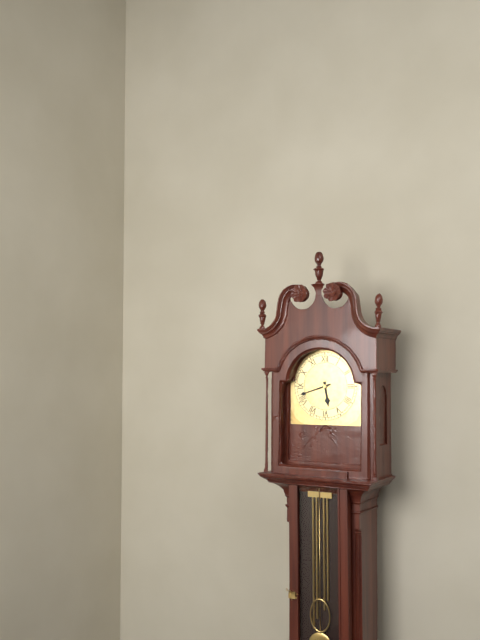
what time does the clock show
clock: 5:42
